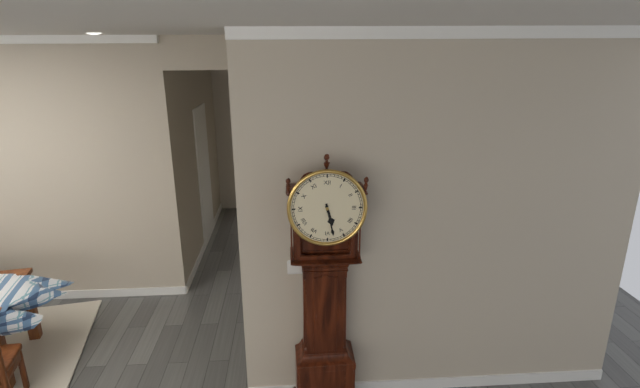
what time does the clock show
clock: 5:28
